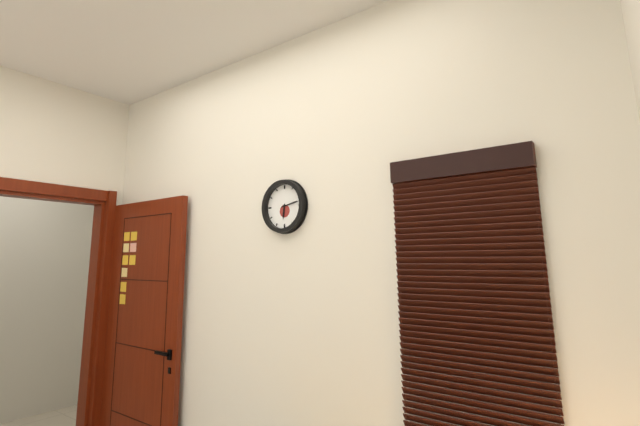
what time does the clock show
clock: 6:13
